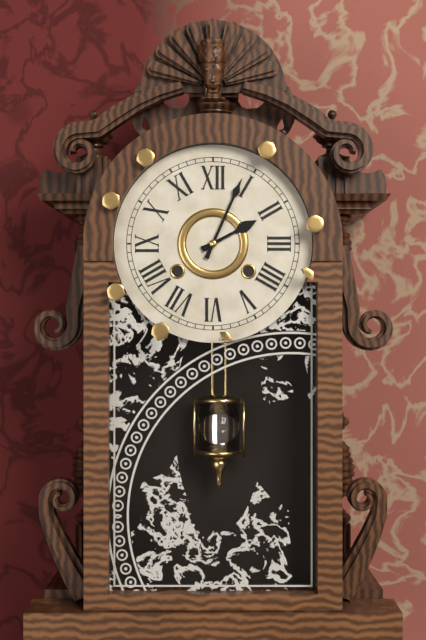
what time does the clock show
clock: 2:04
